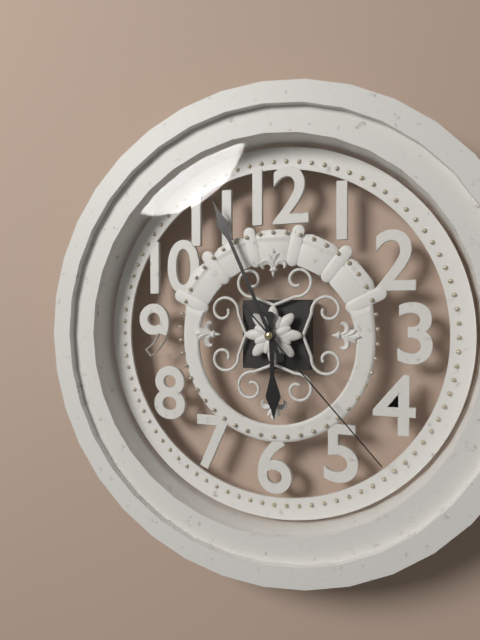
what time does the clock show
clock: 5:56:23
